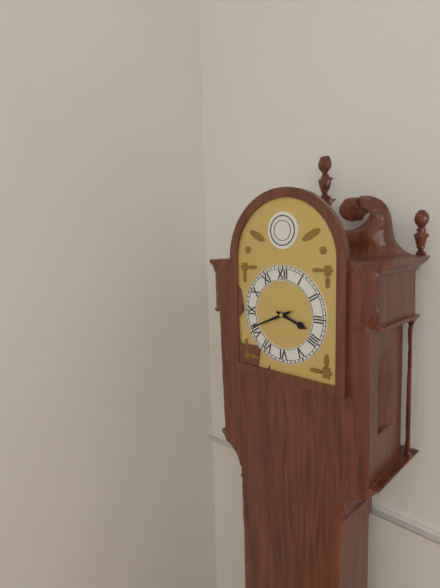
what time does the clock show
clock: 3:41
